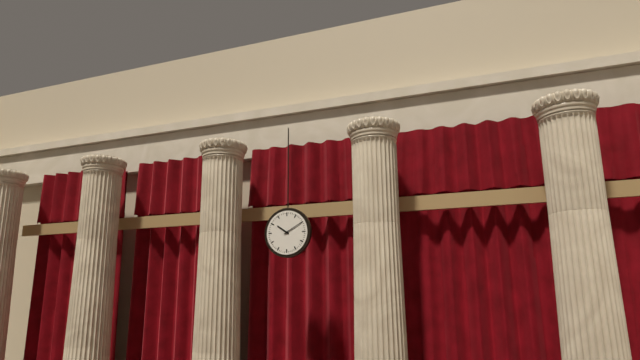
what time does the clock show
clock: 10:10
